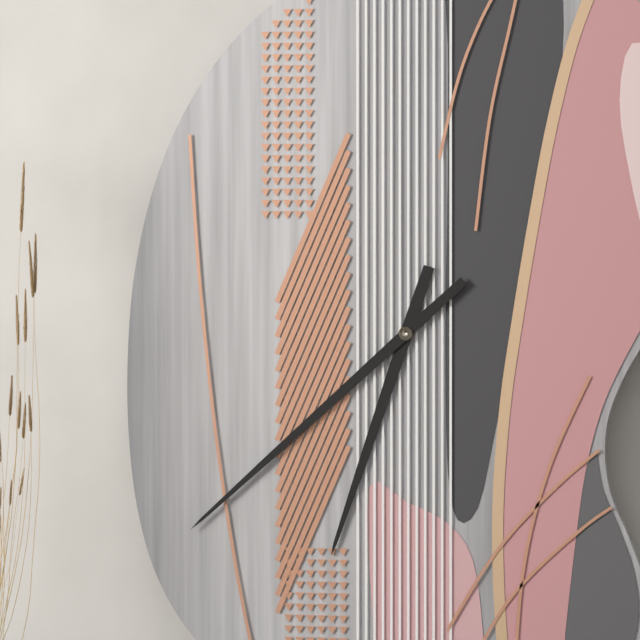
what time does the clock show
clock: 6:38
